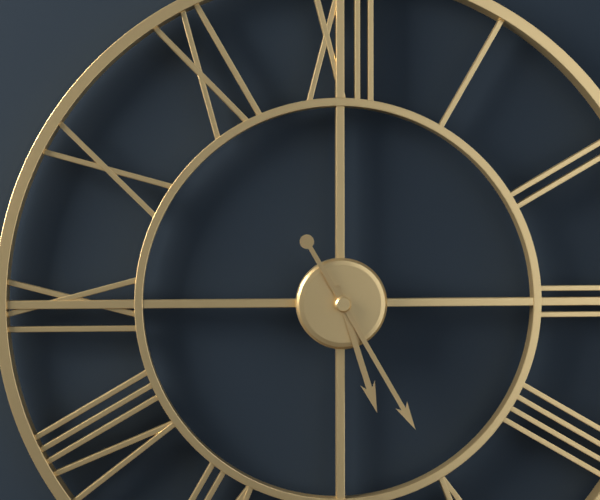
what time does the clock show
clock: 5:25
